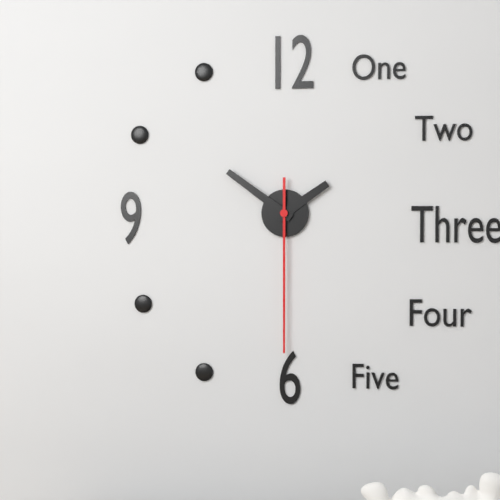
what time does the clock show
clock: 1:51:30
